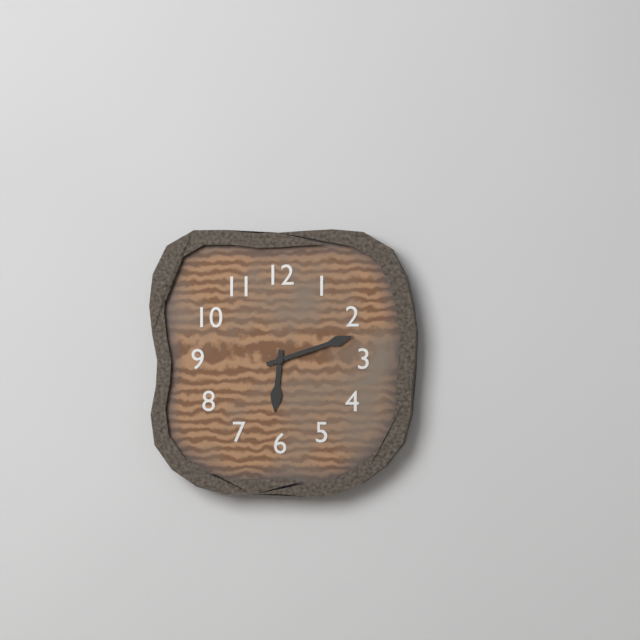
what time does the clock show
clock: 6:12
